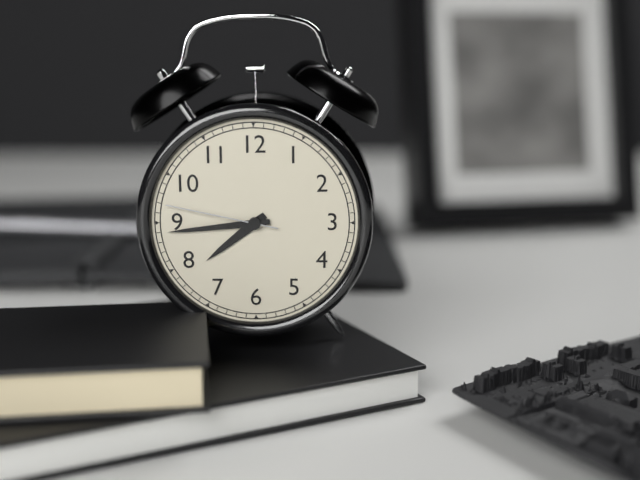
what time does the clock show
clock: 7:44:47
